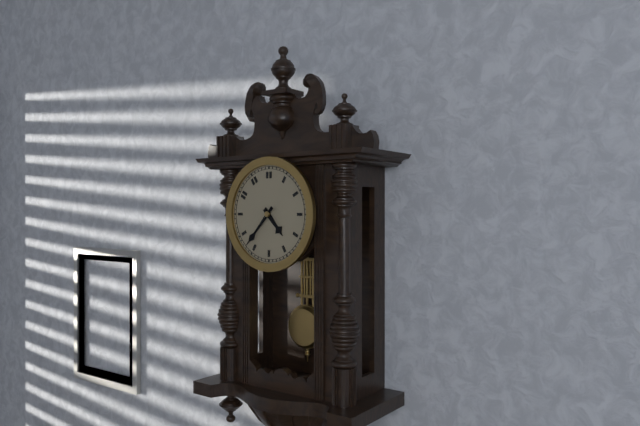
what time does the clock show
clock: 4:37
